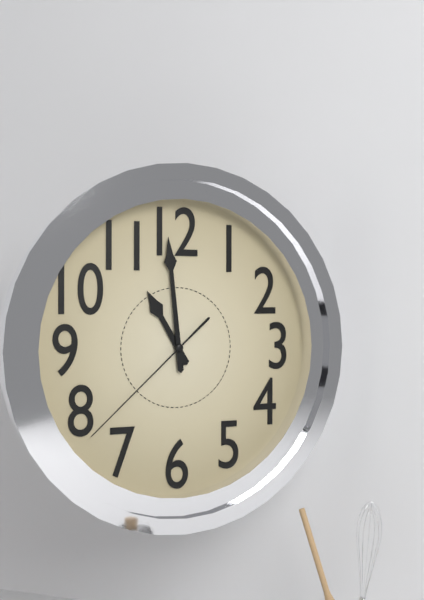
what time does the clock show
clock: 10:59:38
